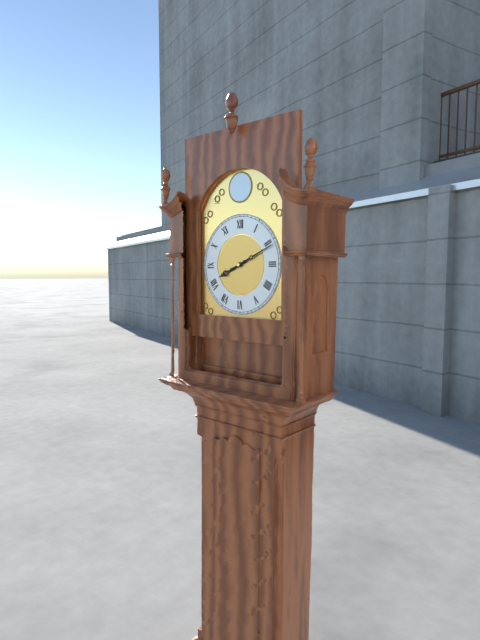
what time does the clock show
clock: 8:11
